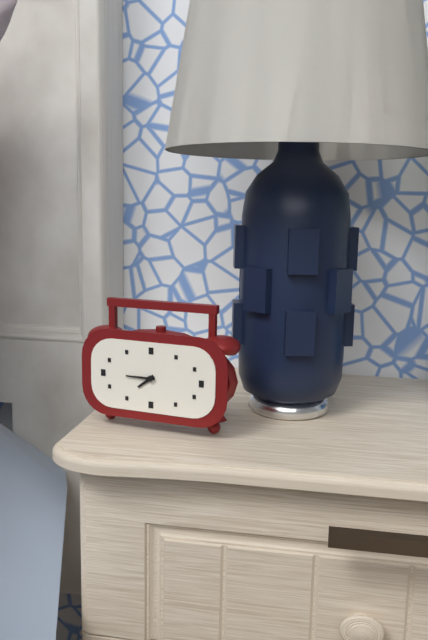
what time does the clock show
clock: 7:45
